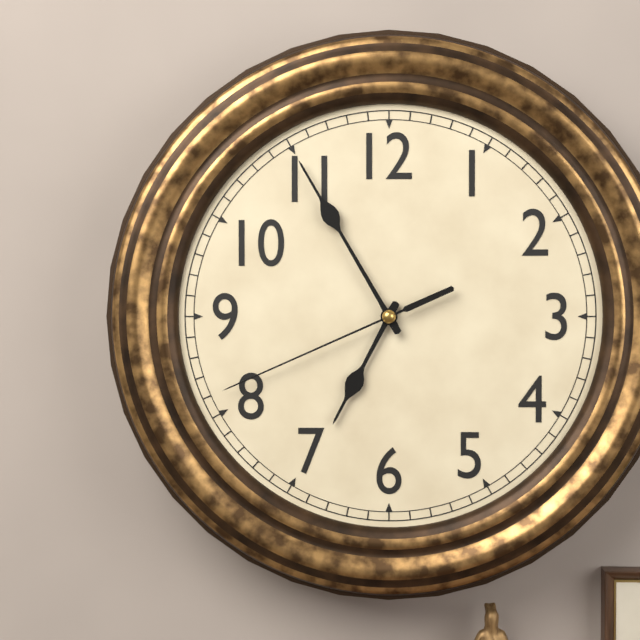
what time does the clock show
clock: 6:55:41
